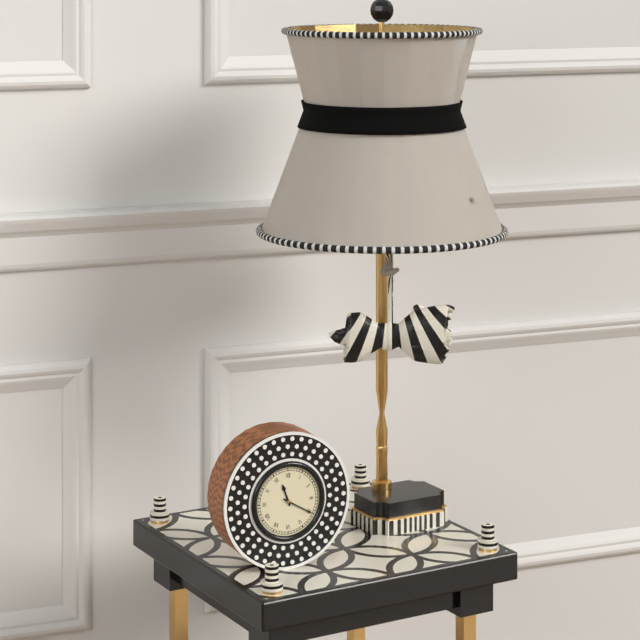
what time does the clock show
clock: 11:20
